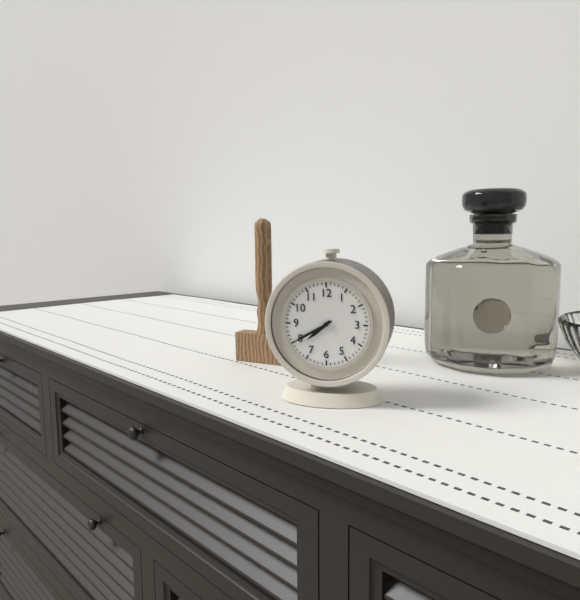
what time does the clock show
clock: 7:40
